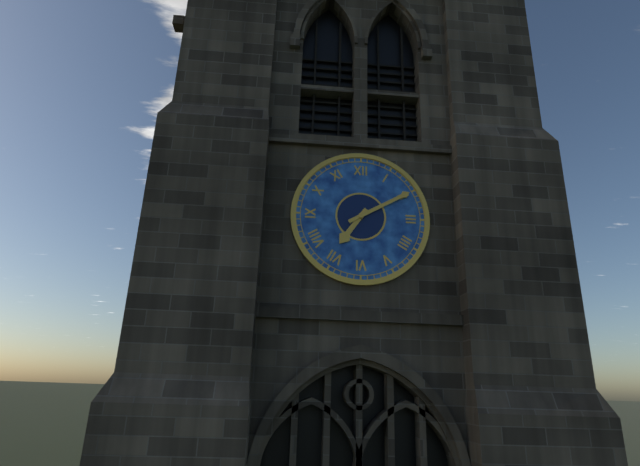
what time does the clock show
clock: 7:10
